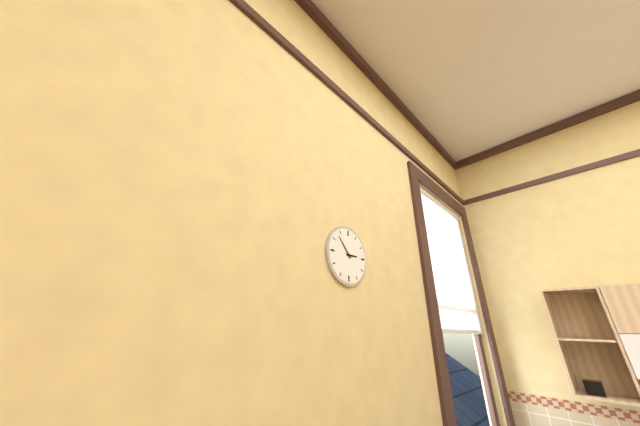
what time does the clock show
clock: 2:53
